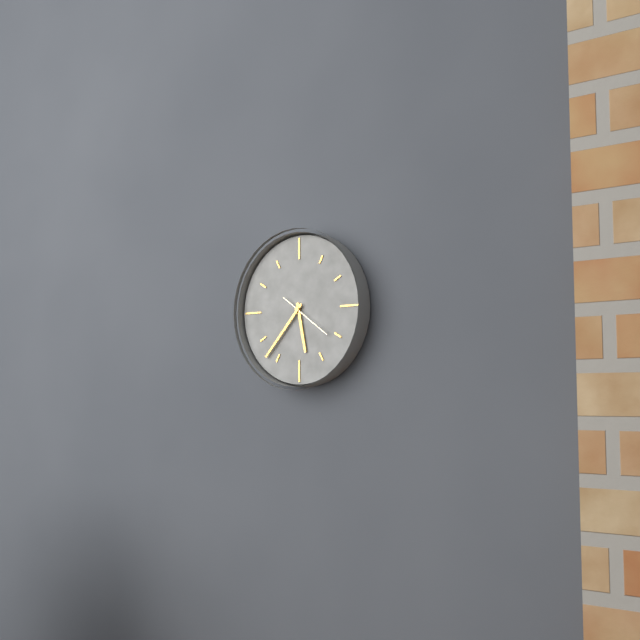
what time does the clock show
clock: 5:37
